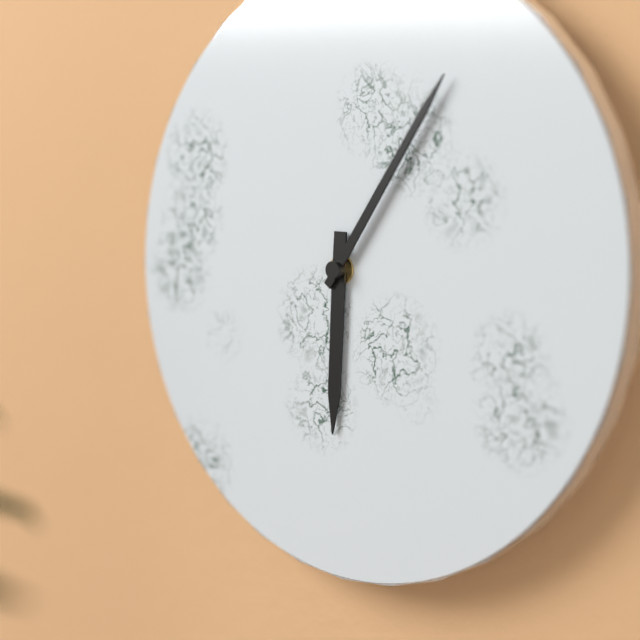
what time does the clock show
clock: 6:06
